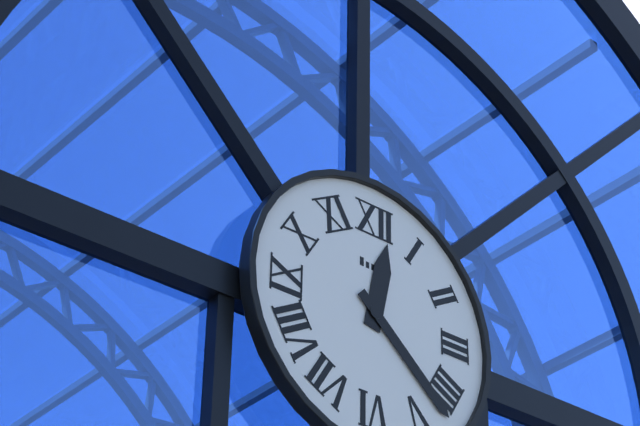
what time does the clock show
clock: 12:22
